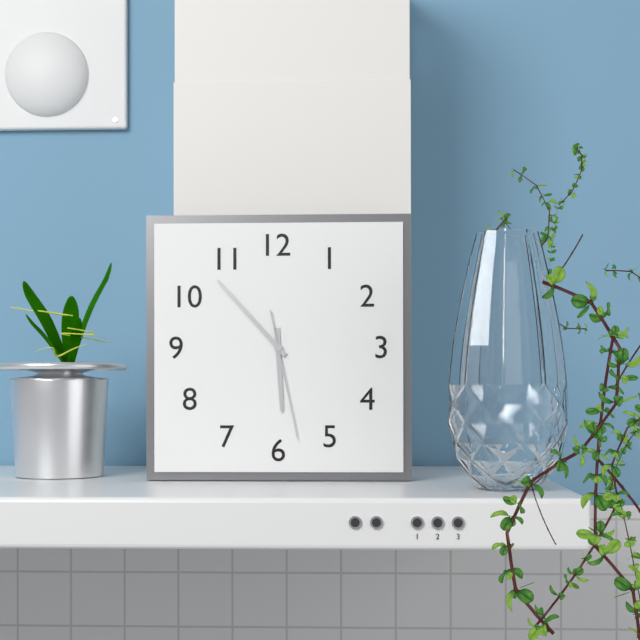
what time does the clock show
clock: 5:53:28
